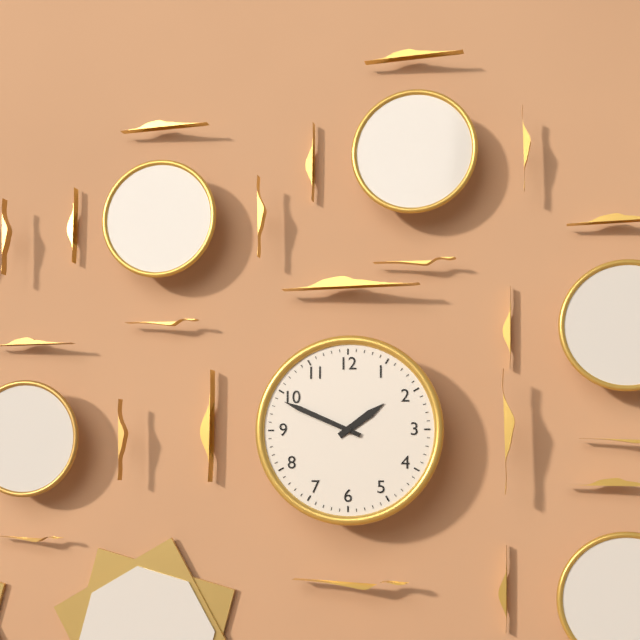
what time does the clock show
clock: 1:49
